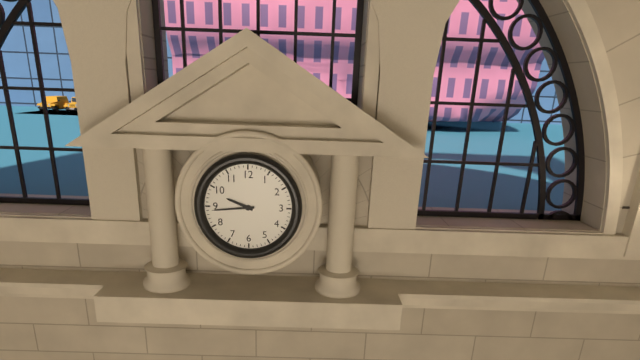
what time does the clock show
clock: 9:44
